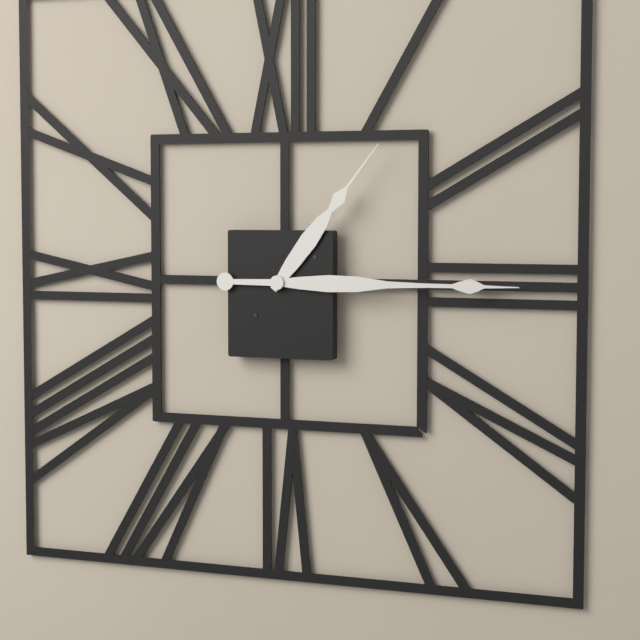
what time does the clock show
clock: 1:15
